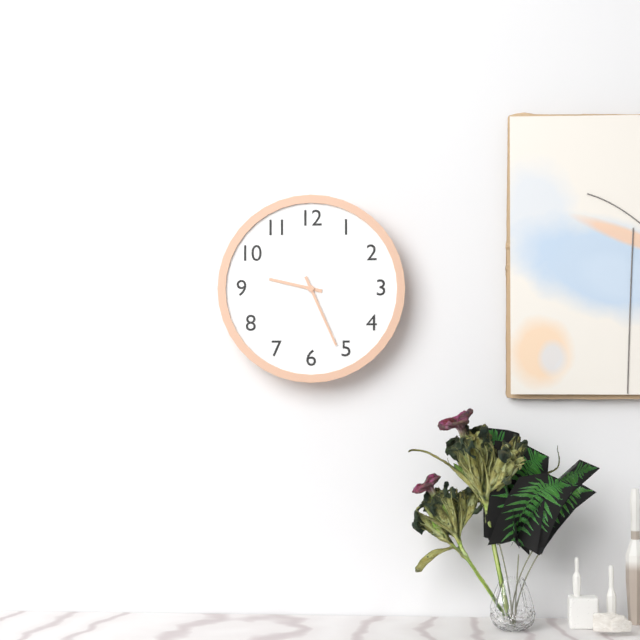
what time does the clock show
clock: 9:26
